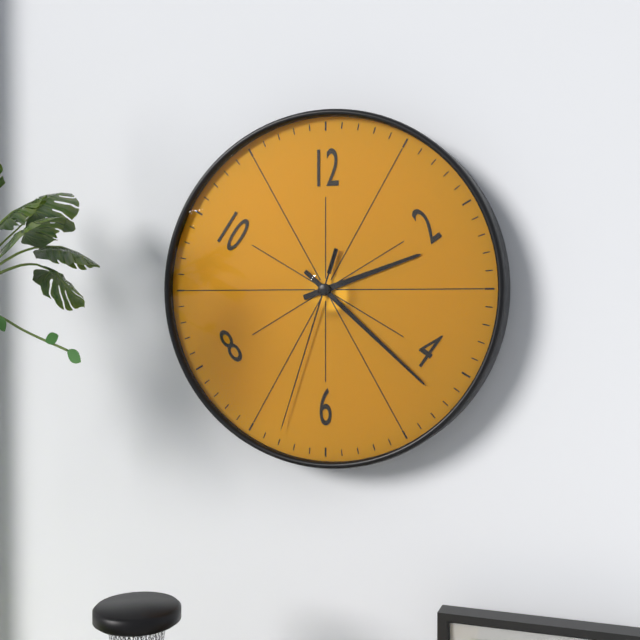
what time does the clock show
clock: 2:22:33
